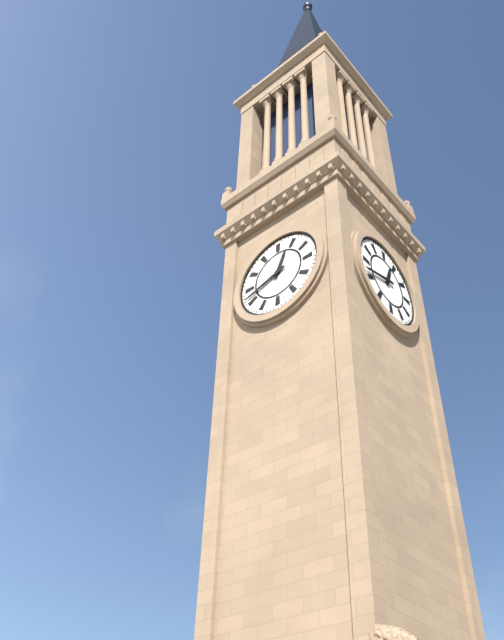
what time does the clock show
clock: 12:42
